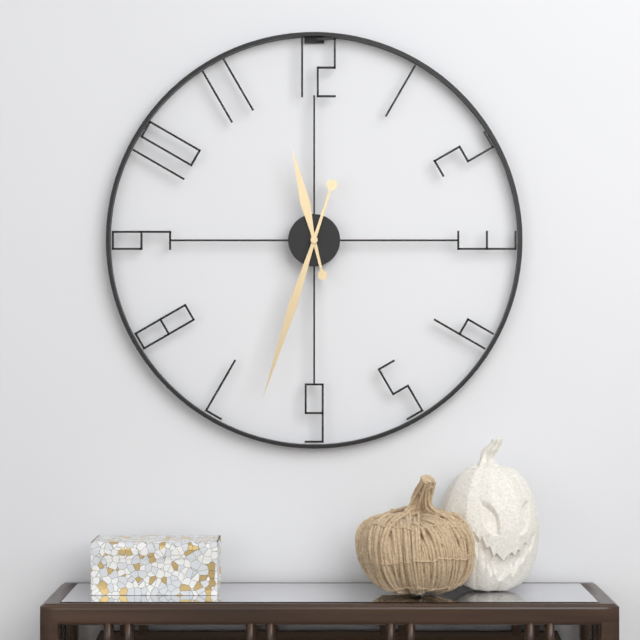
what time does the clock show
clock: 11:33
